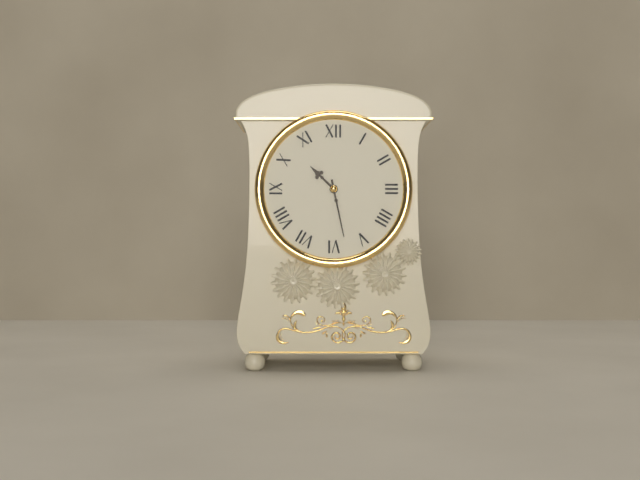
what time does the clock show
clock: 10:28
